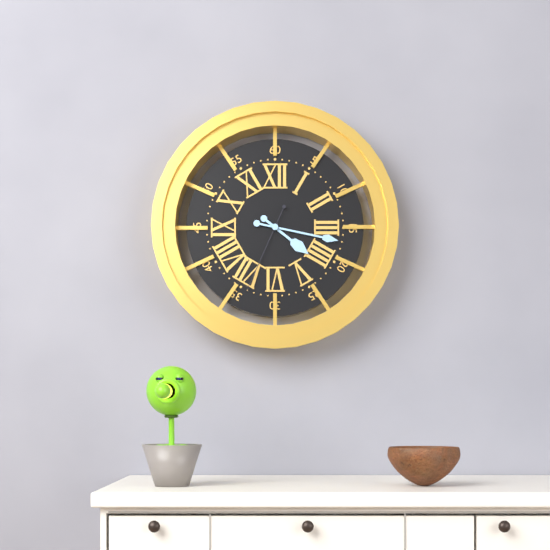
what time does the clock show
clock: 4:17:34
